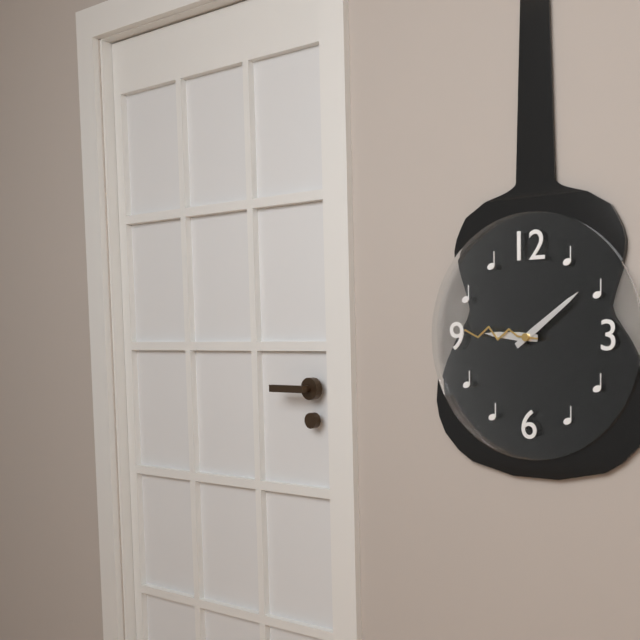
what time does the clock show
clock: 9:09:46
